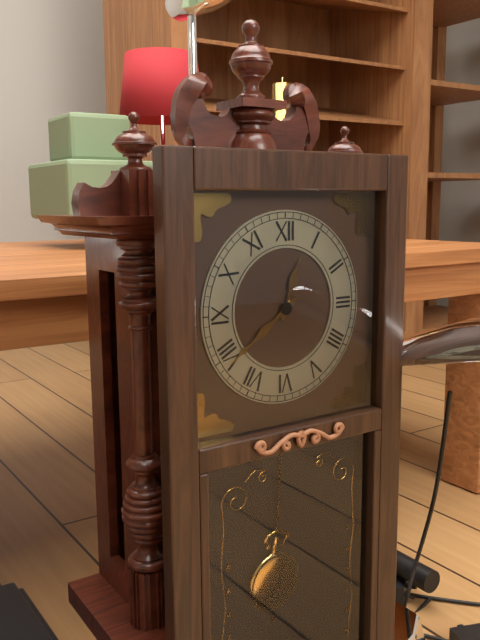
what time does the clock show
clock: 12:39
